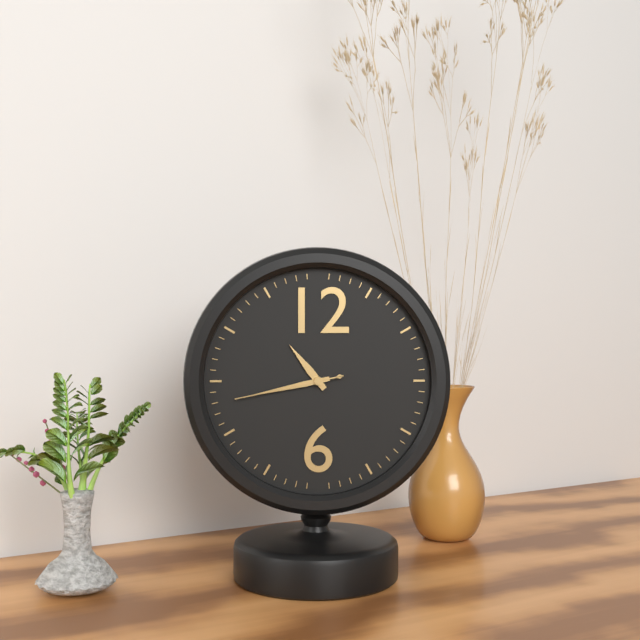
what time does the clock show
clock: 10:43:43
